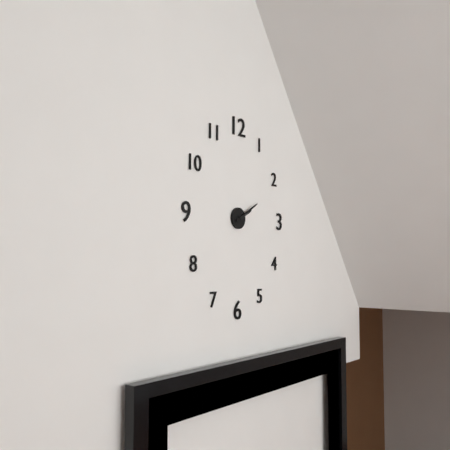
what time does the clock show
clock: 2:10
